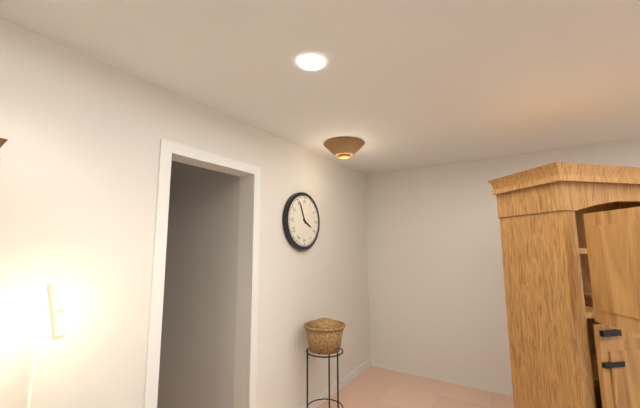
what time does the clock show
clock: 3:56
